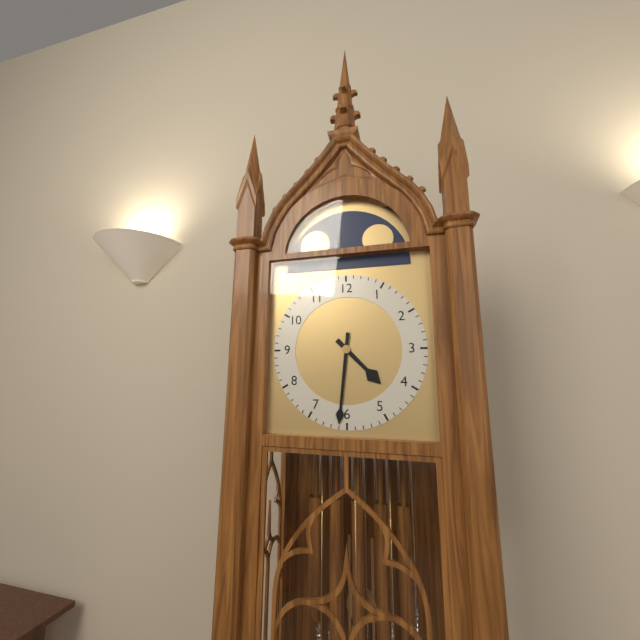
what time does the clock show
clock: 4:31
